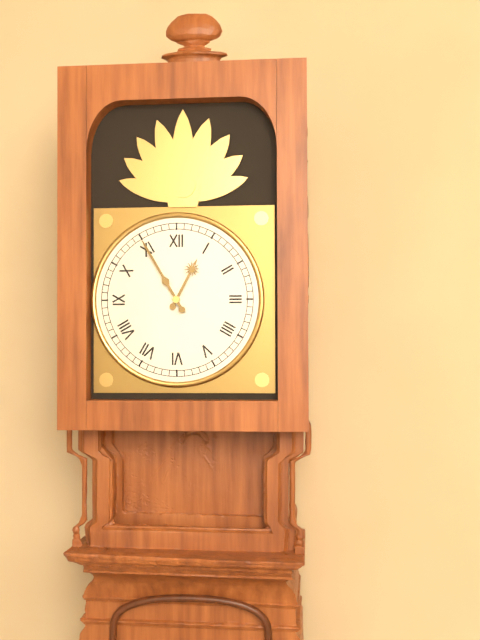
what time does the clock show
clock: 12:55
